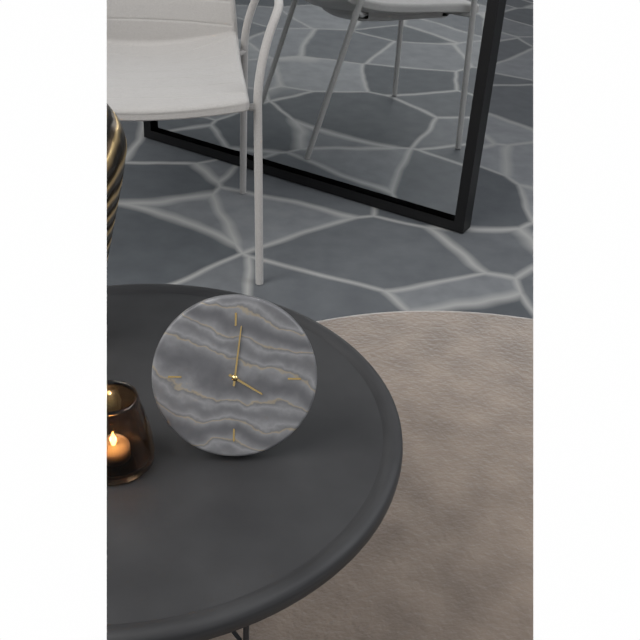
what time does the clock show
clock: 4:01
